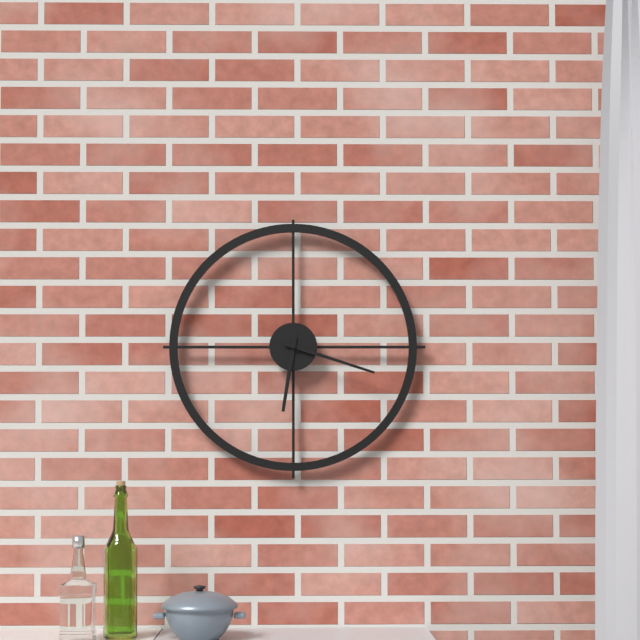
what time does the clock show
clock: 6:18
